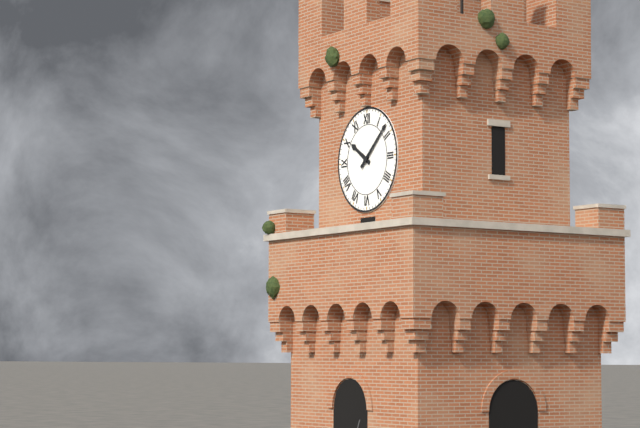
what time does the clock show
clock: 10:08
